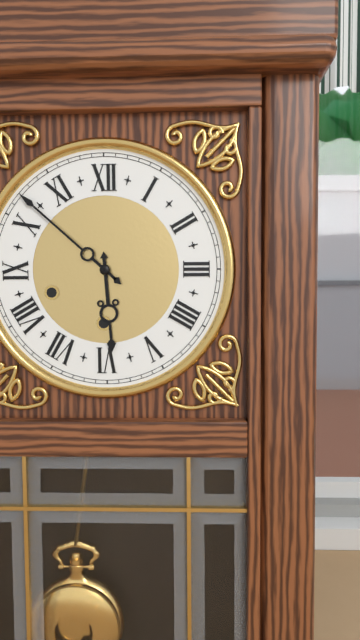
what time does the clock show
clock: 5:52
